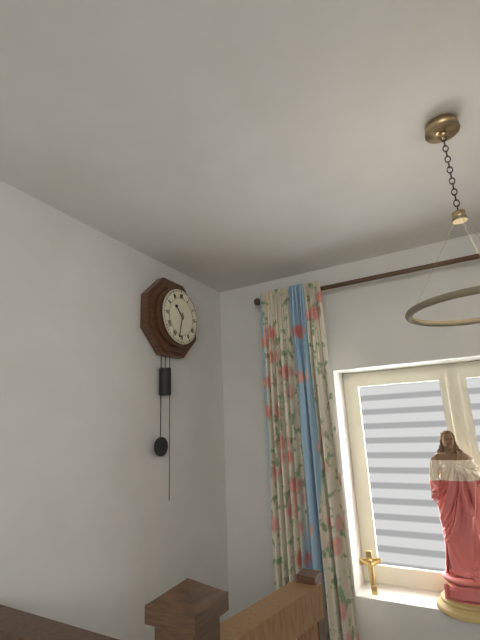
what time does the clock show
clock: 10:32
